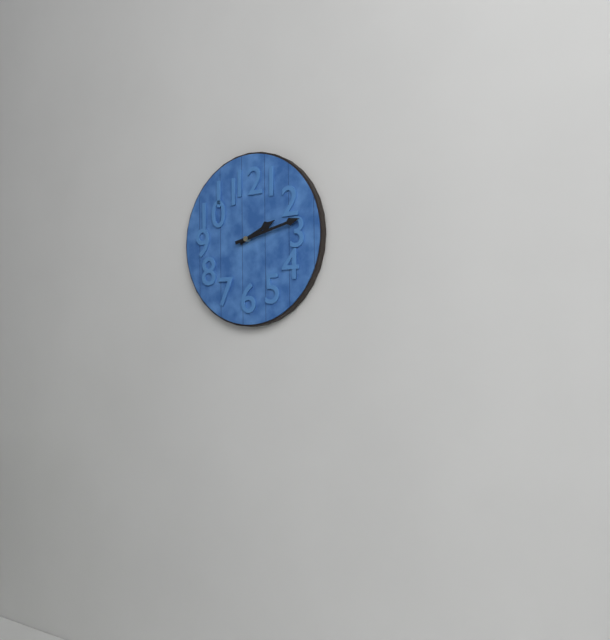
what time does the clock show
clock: 2:13
